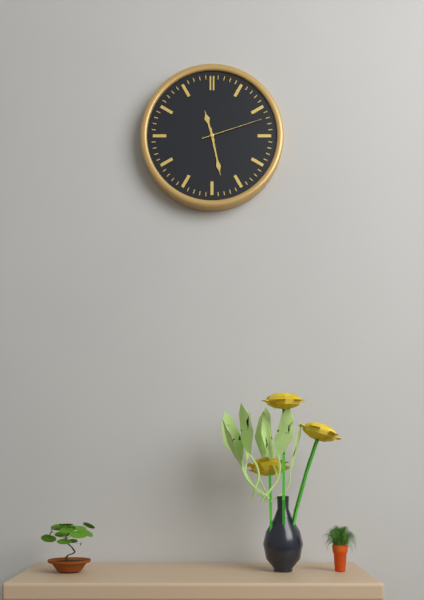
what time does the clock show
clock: 11:28:12
